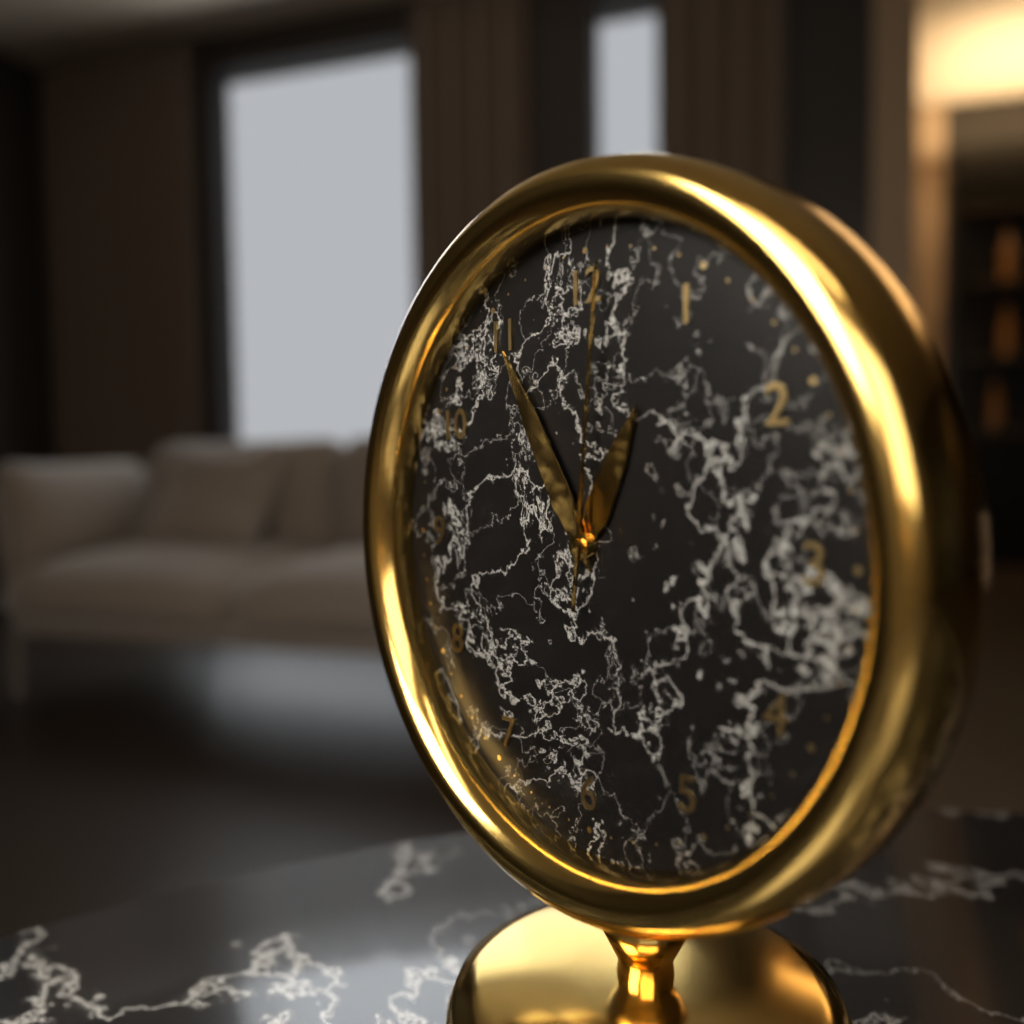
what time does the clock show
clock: 12:55:01
